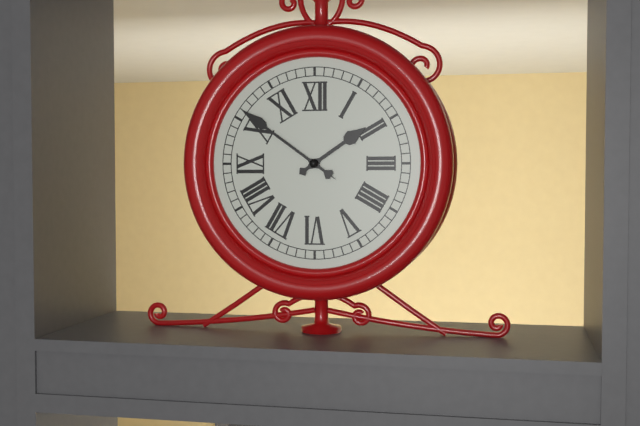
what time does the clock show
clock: 1:51
